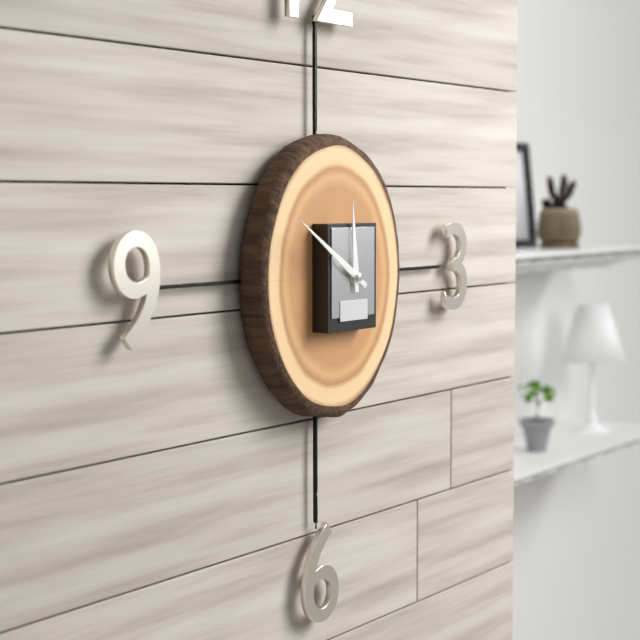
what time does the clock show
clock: 11:50
